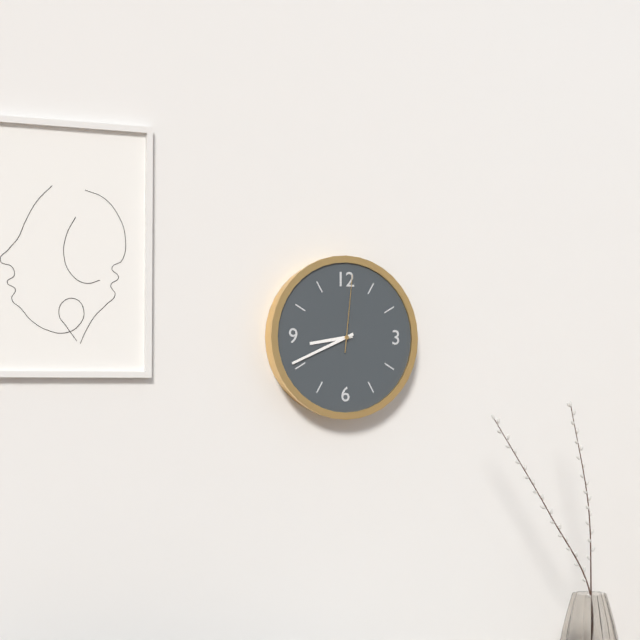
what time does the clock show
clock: 8:41:01
